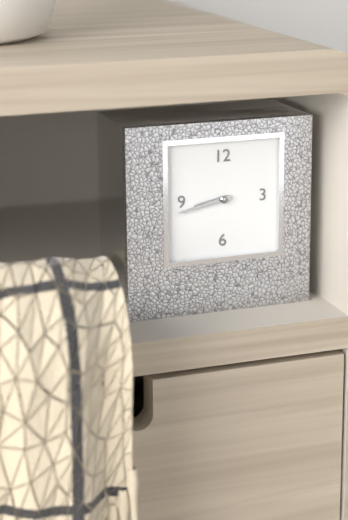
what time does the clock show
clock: 8:43
